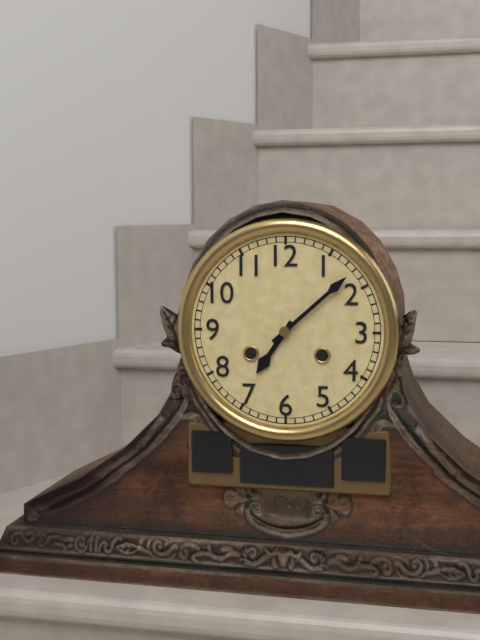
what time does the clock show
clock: 7:08
